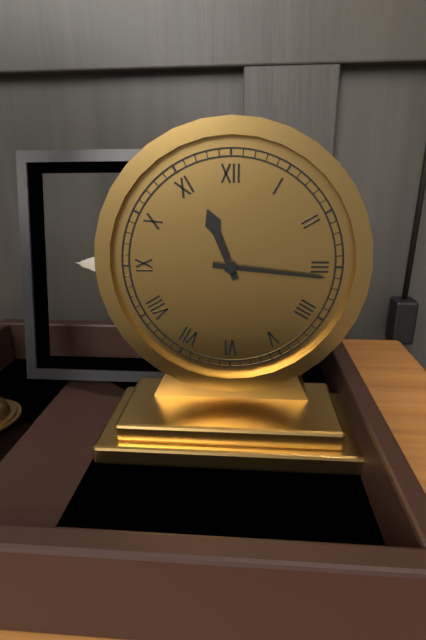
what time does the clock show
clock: 11:16
